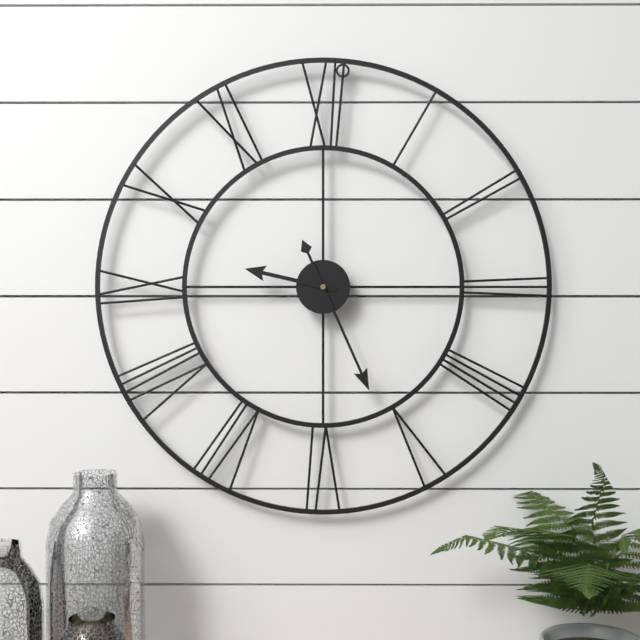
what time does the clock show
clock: 9:26
